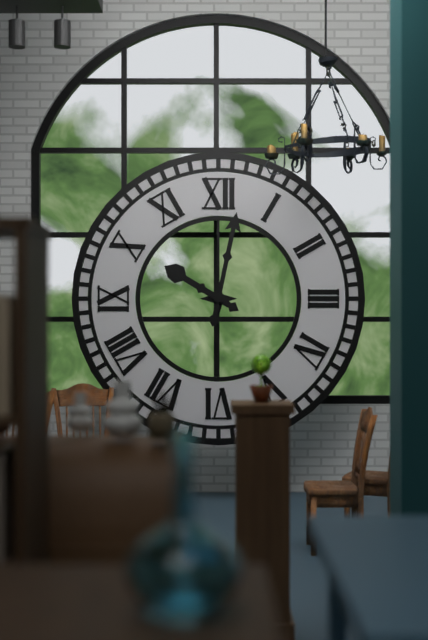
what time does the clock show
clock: 10:02
